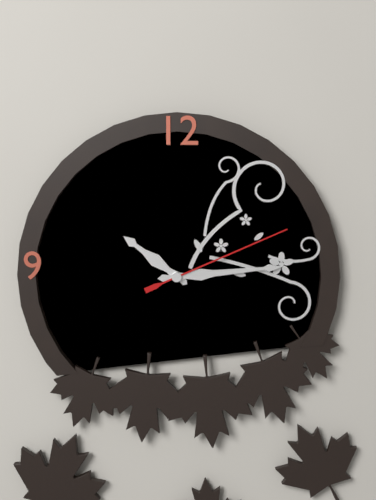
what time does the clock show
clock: 10:14:11
